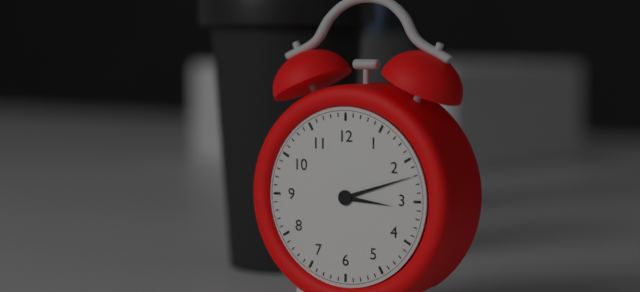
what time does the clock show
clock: 3:12
